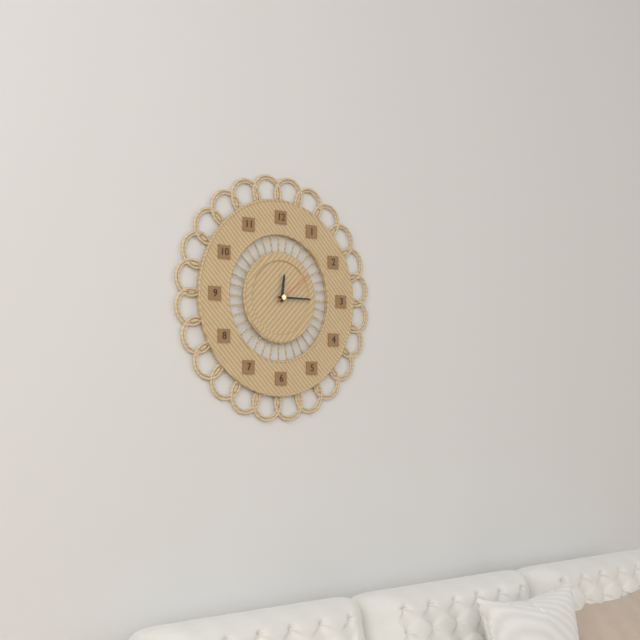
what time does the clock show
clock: 12:15
